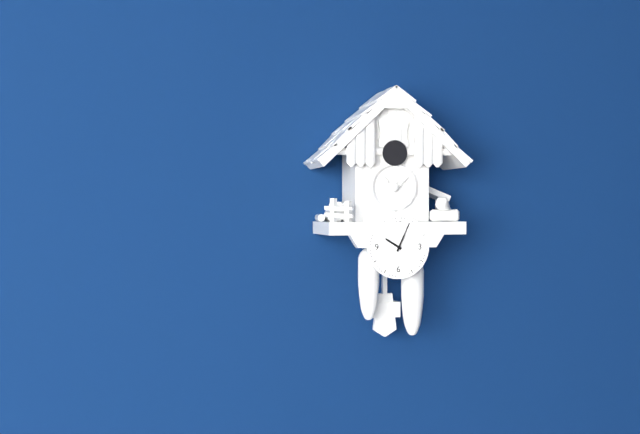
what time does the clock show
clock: 10:04
